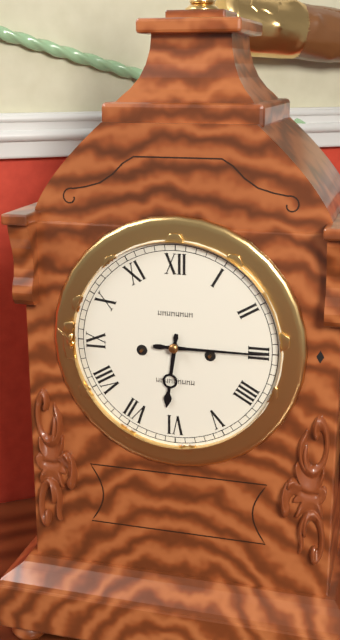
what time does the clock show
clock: 6:15
